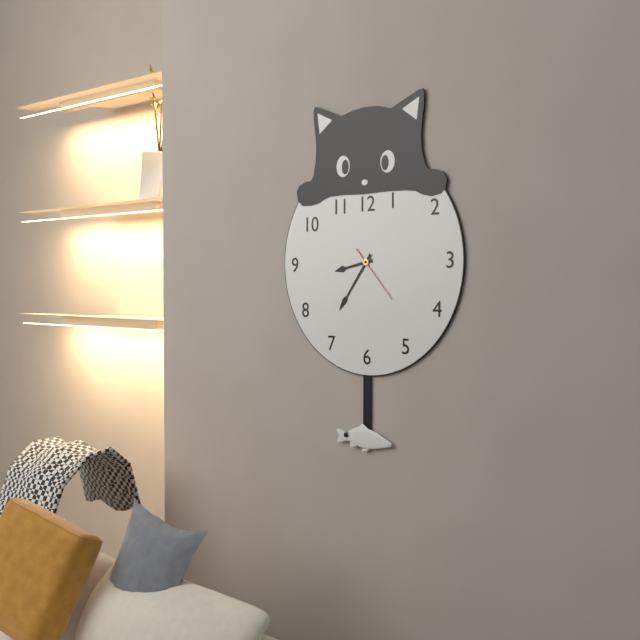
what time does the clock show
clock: 8:36:23
